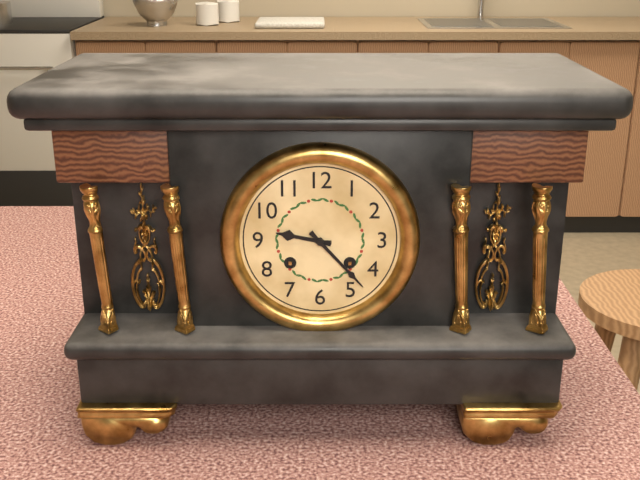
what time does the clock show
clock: 9:23
